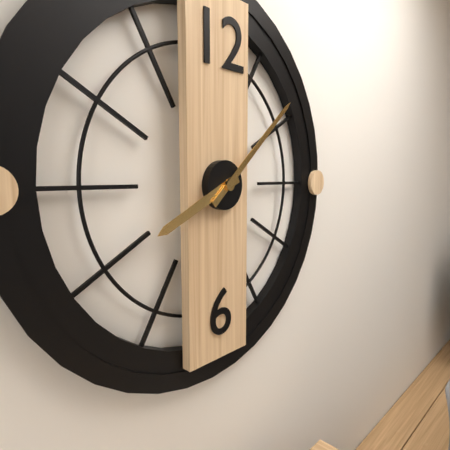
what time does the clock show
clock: 8:08
